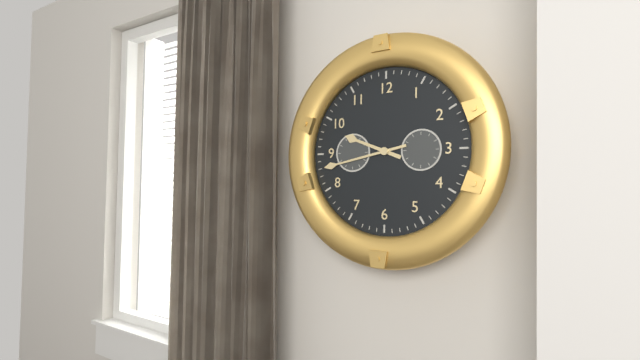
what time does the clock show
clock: 9:43
